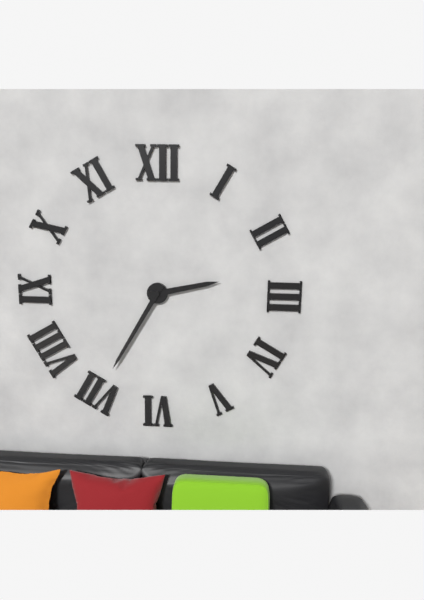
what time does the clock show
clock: 2:35
